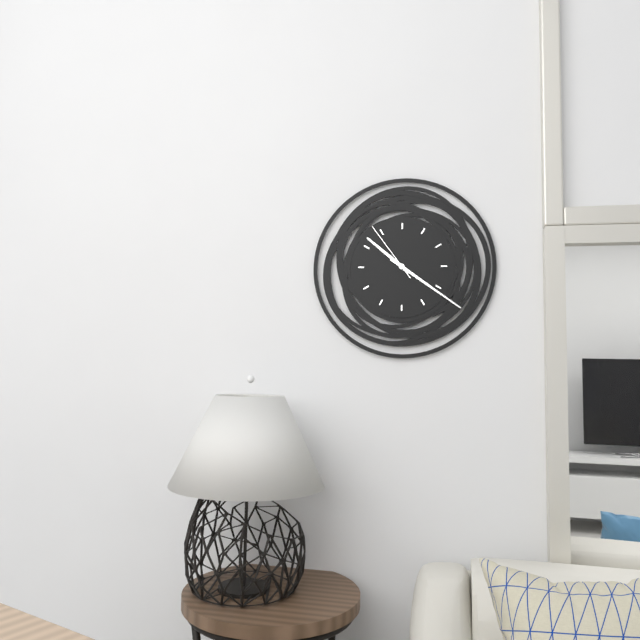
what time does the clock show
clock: 10:21:54
